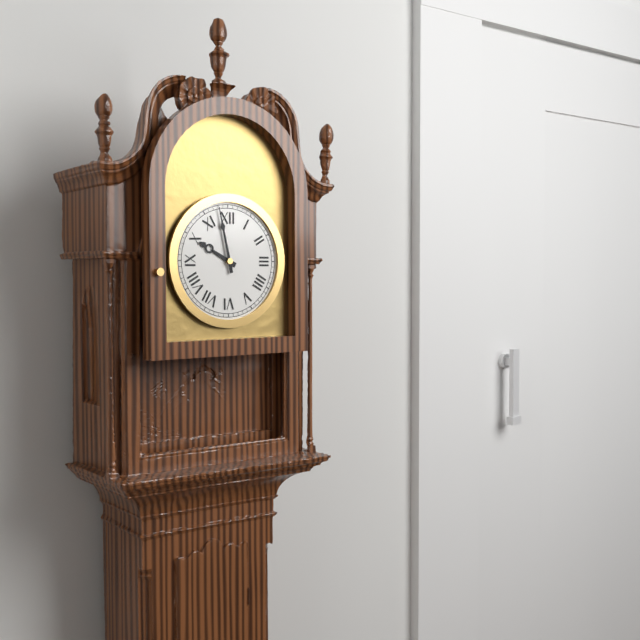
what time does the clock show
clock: 9:58
